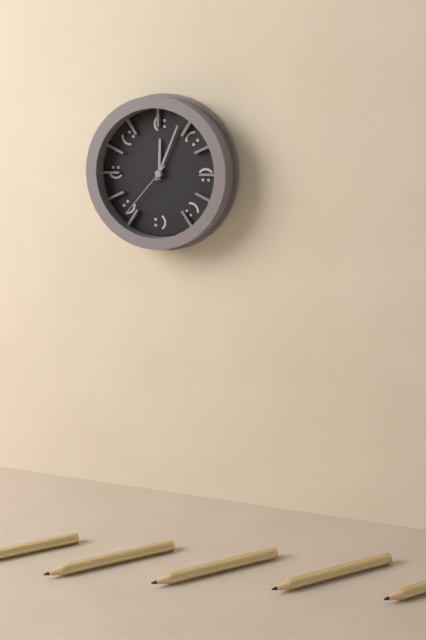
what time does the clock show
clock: 12:04:37
